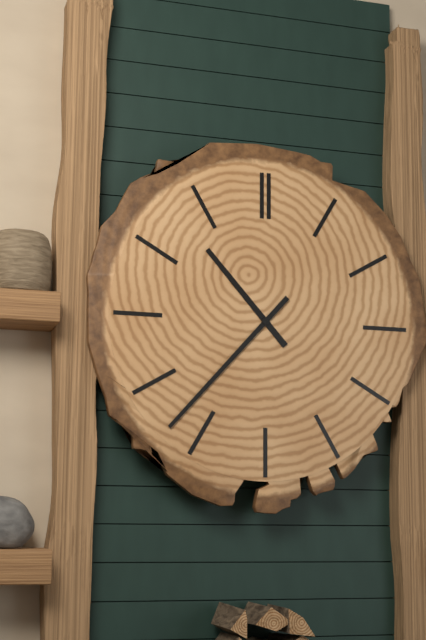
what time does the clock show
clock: 10:37
